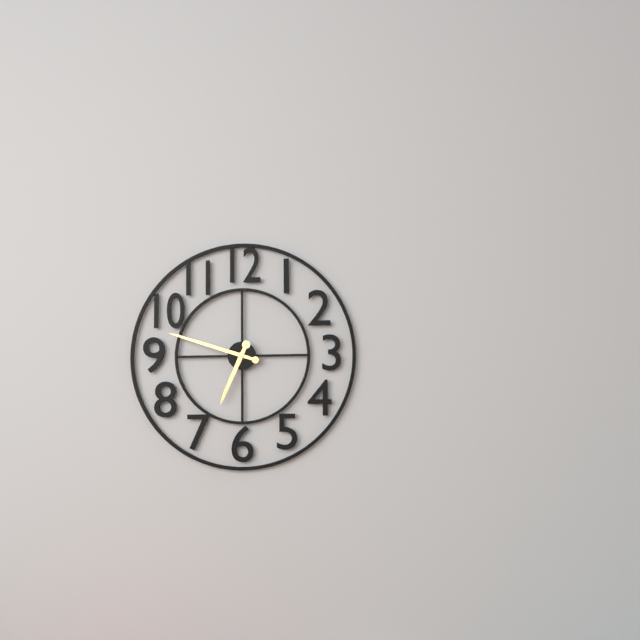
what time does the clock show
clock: 6:48
